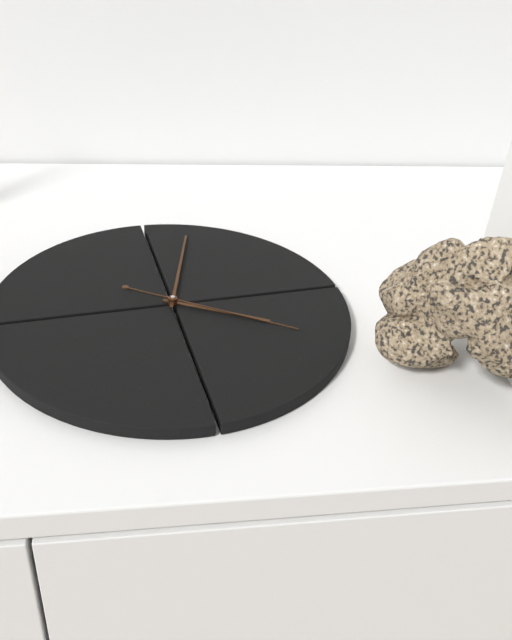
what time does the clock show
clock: 4:03:21
